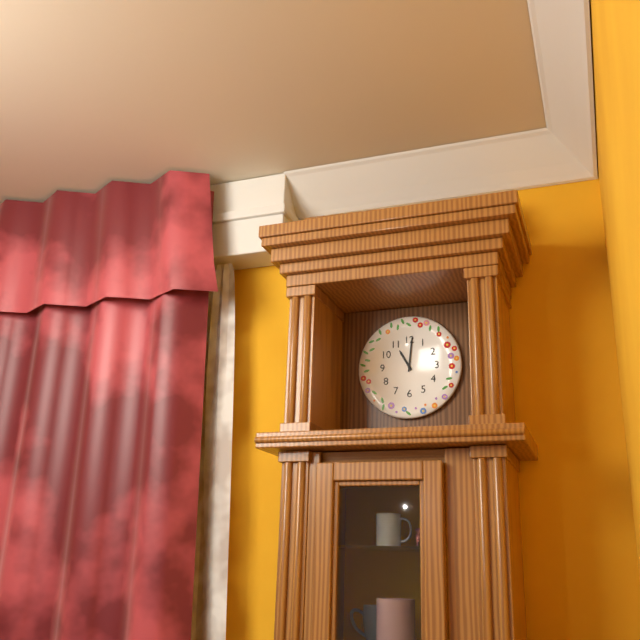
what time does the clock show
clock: 11:01
